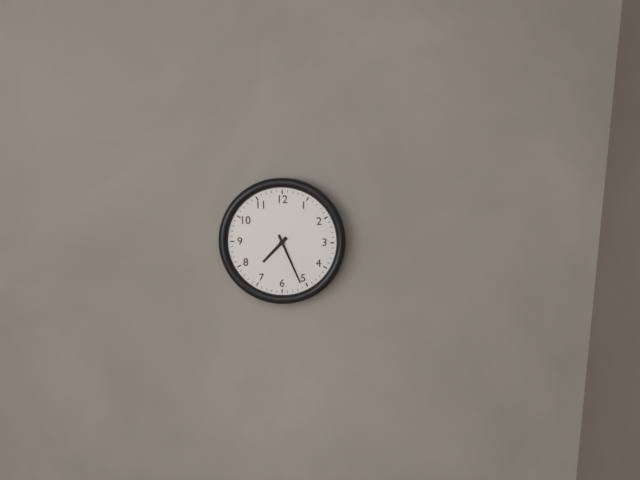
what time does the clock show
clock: 7:26
